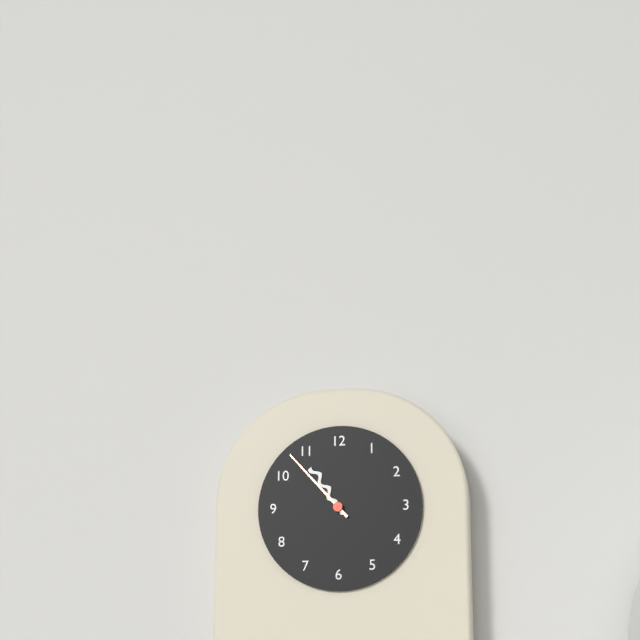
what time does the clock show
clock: 10:53
